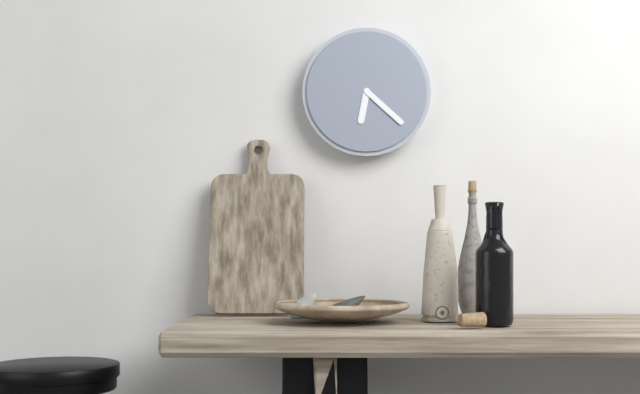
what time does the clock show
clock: 6:22
